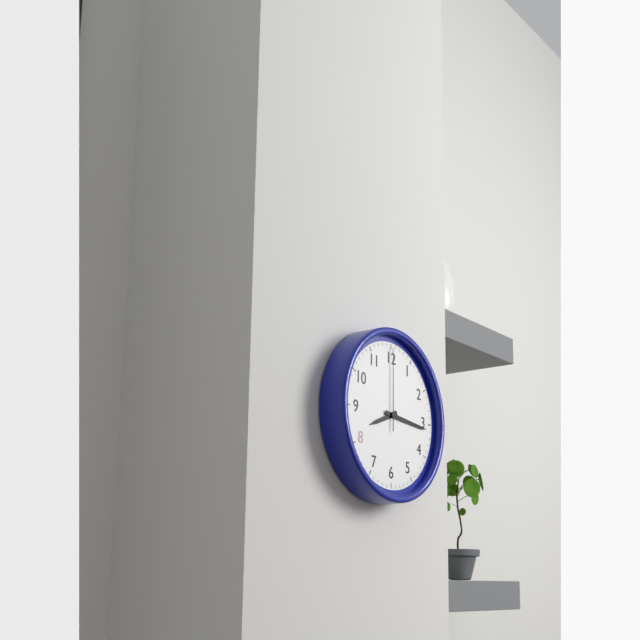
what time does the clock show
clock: 8:16:00
